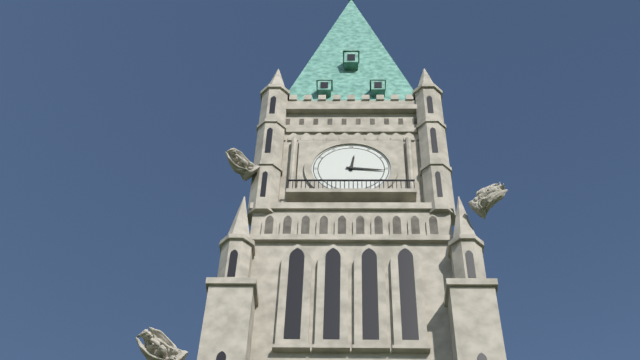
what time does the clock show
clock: 12:16
